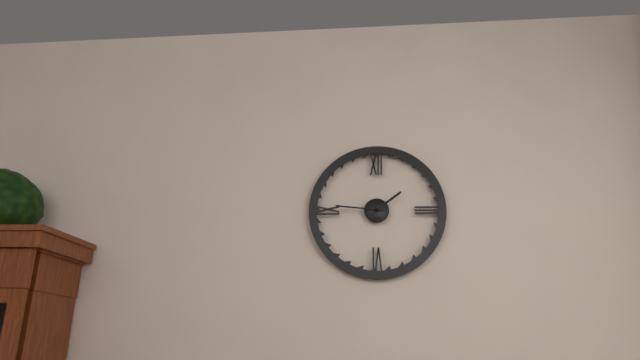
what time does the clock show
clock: 1:46
